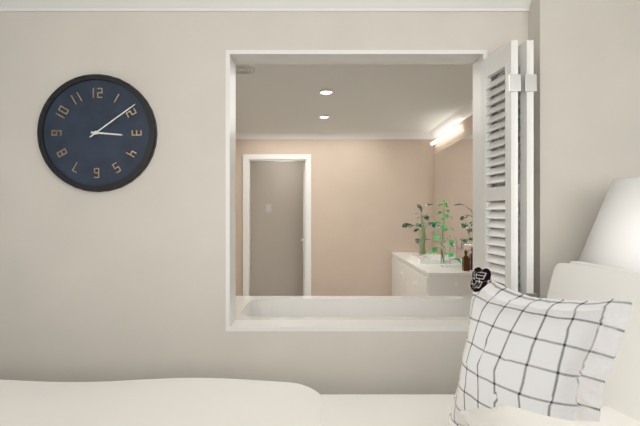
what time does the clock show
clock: 3:09
